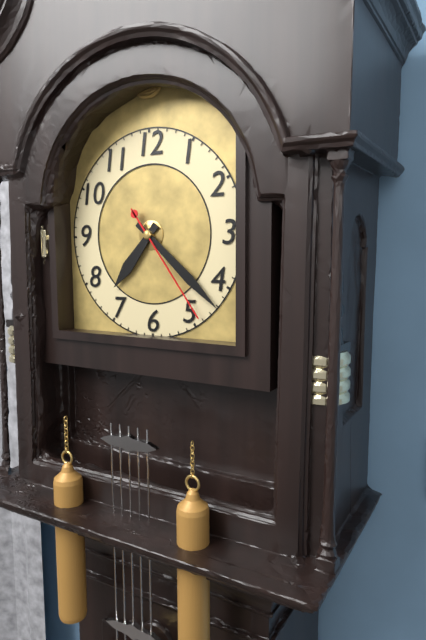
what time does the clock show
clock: 7:22:24
